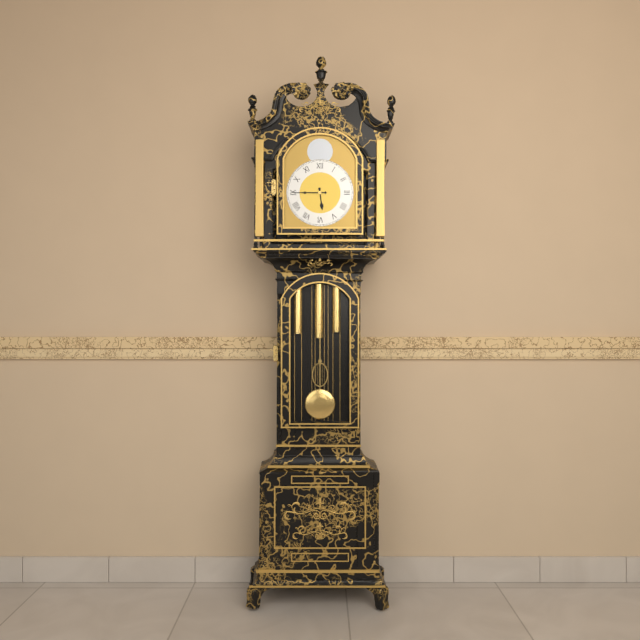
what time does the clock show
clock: 5:45
